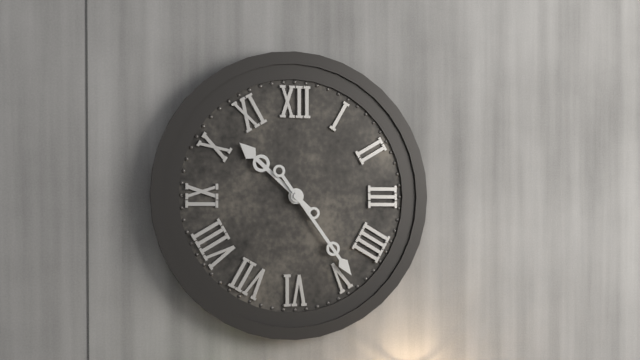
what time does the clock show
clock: 10:24
